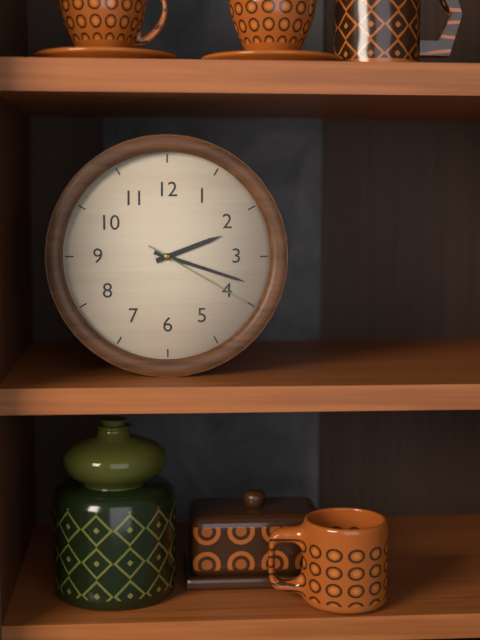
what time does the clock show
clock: 2:18:20
